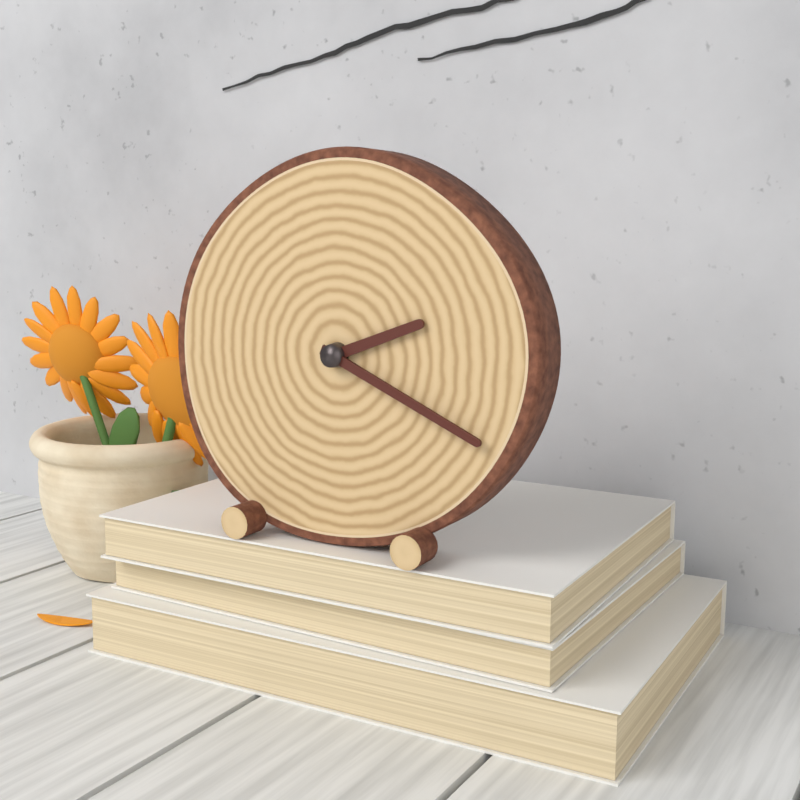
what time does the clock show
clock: 2:19
